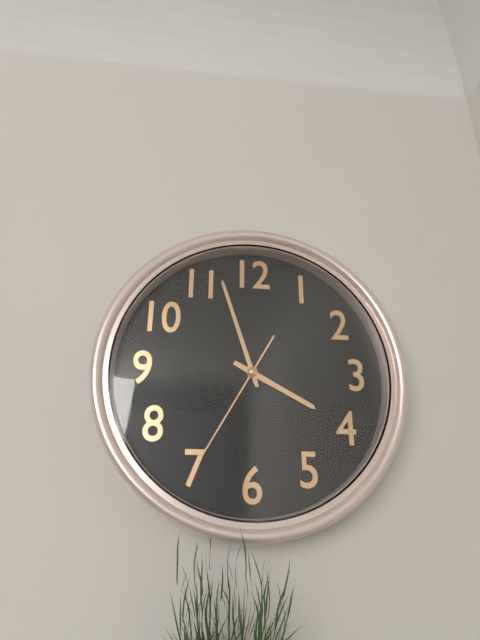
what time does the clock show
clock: 3:57:35
